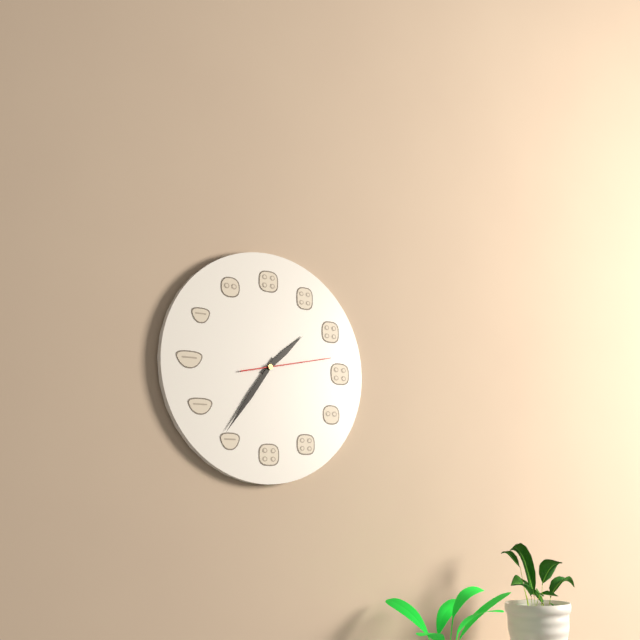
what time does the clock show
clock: 1:36:13
